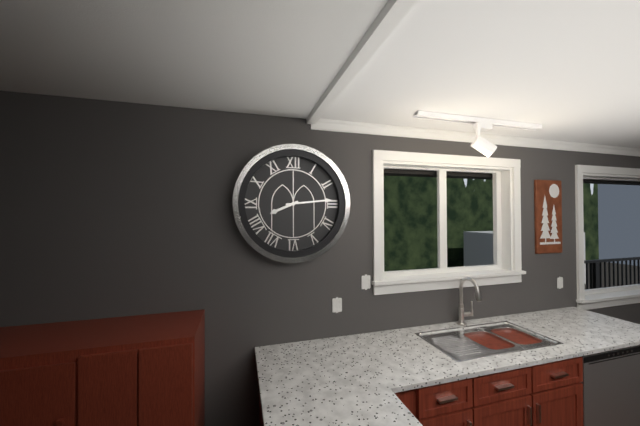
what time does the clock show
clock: 8:14
